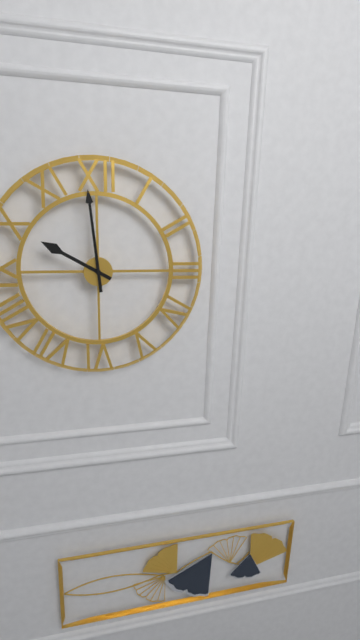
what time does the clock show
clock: 9:59
